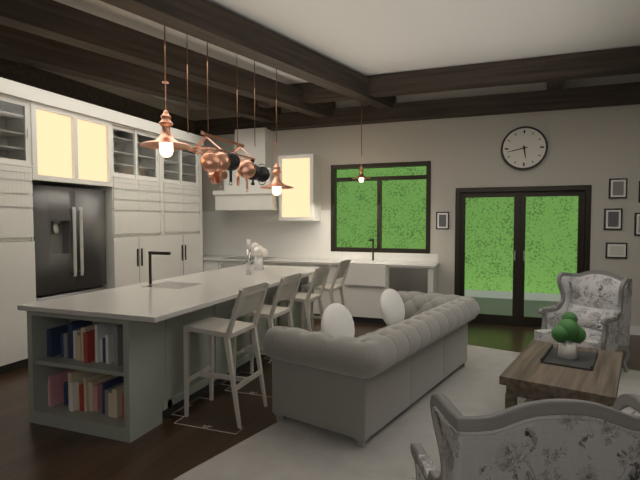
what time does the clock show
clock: 5:43
